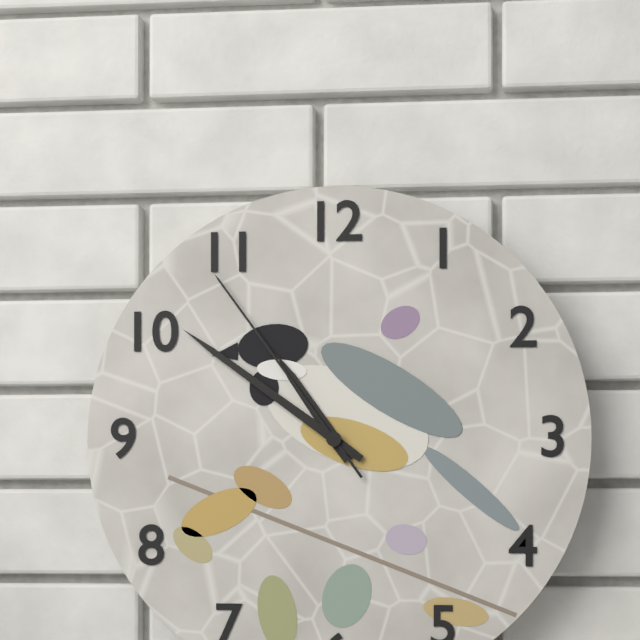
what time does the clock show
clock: 10:51:54
